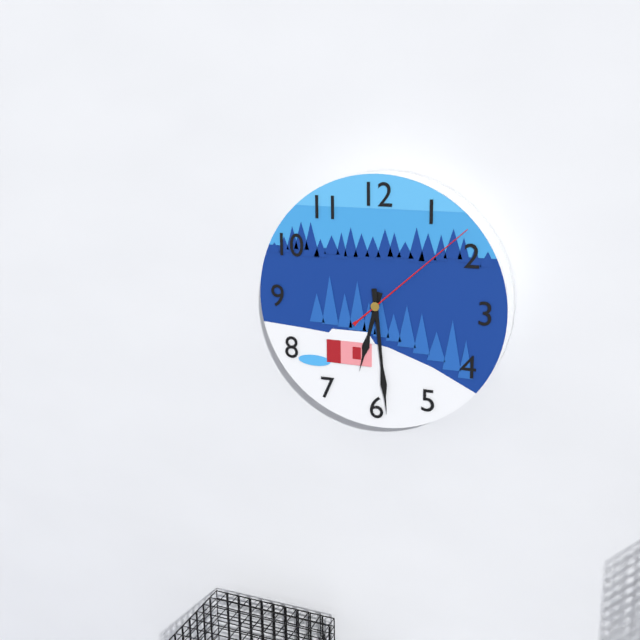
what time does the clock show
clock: 6:29:08
